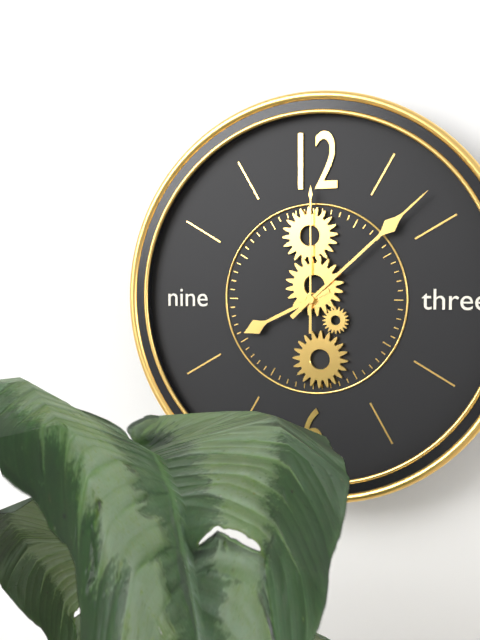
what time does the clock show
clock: 8:08:00
